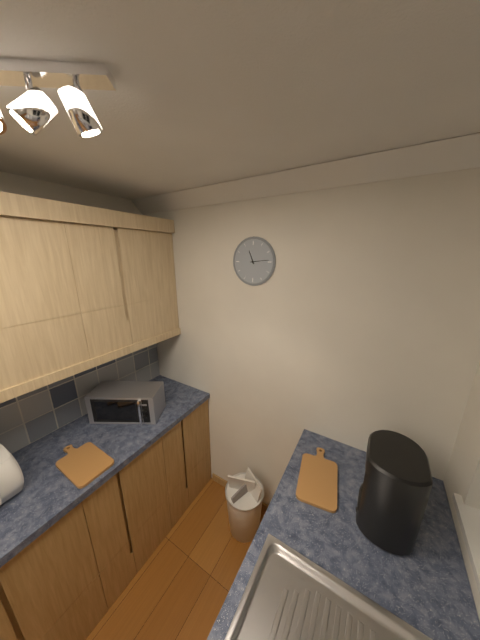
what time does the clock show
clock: 11:14
